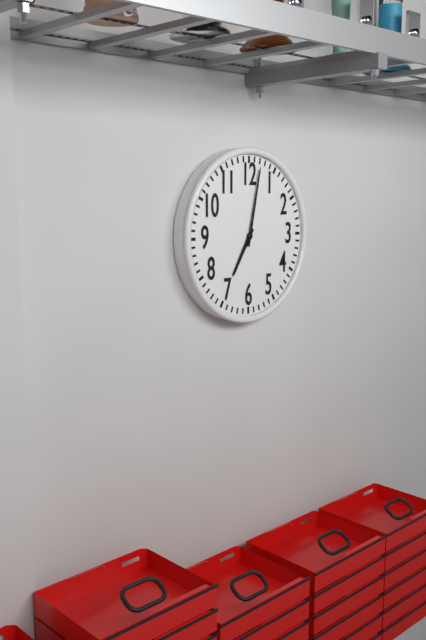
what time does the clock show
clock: 7:02
